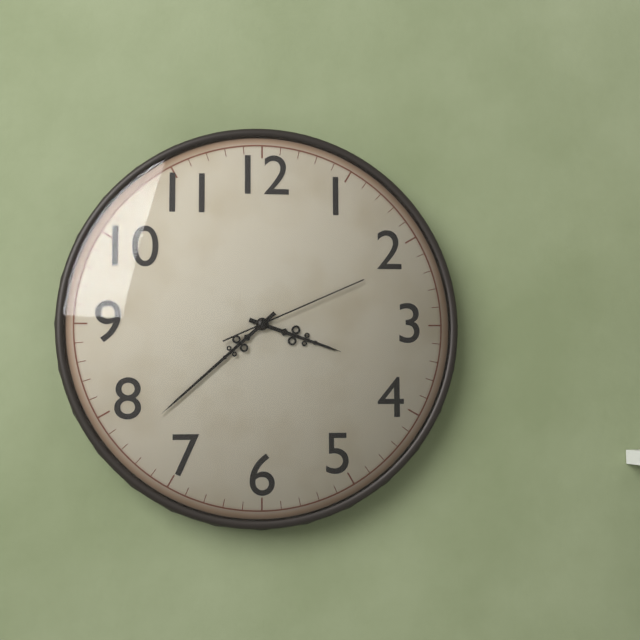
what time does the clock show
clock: 3:38:11
